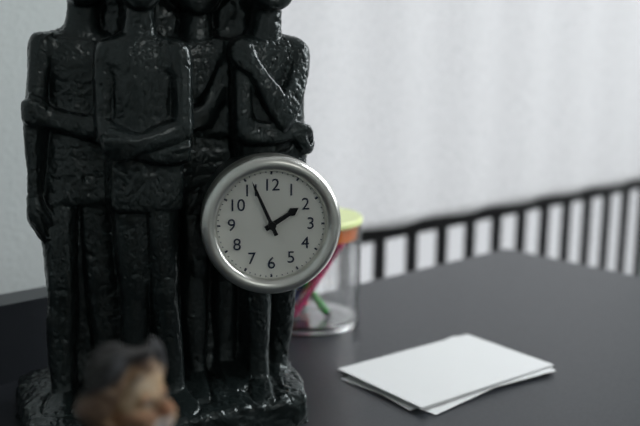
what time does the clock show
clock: 1:56
